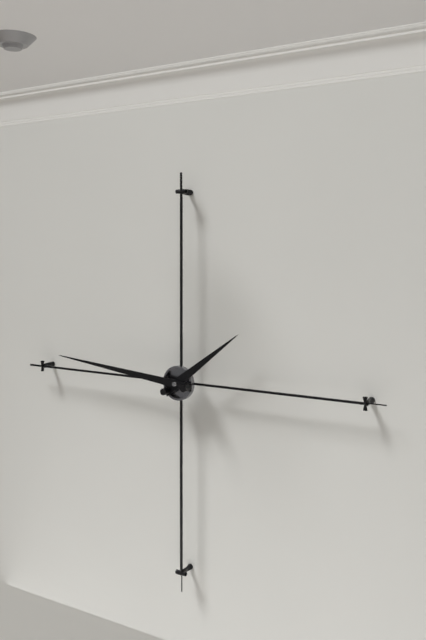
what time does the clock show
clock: 1:46
